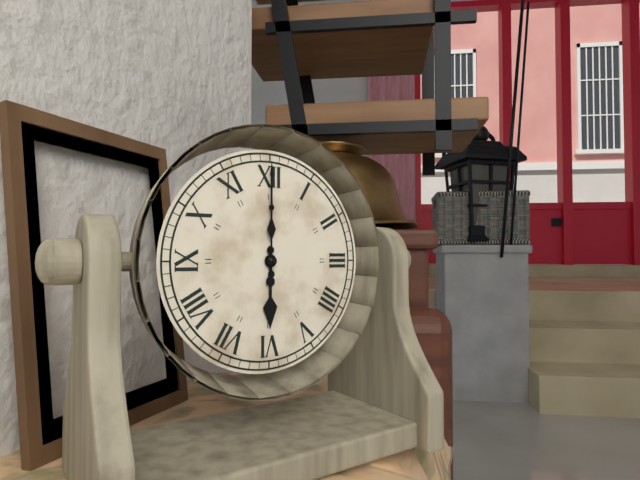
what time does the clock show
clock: 6:00
